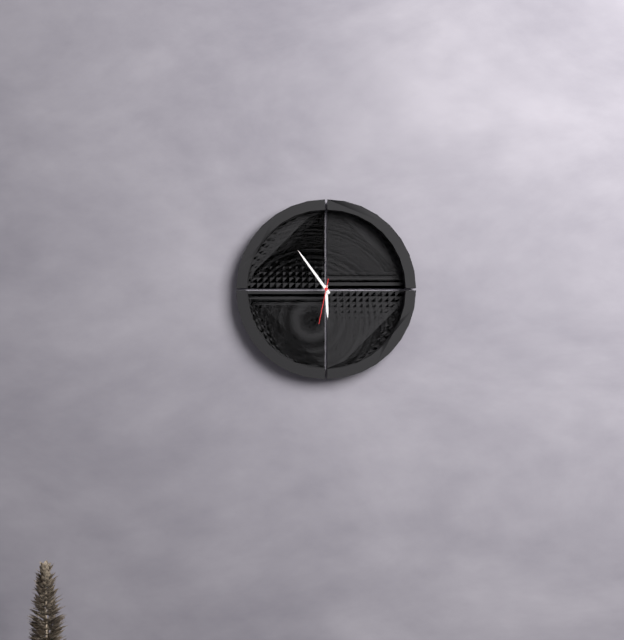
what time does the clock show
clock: 5:54
